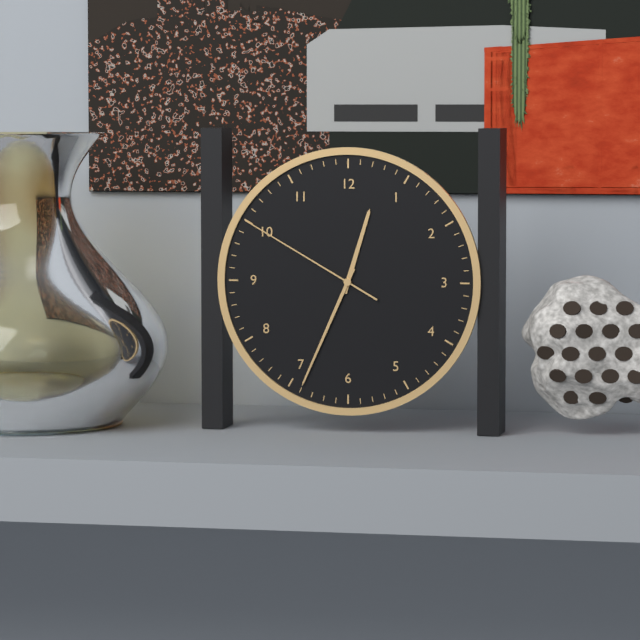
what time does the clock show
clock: 12:34:50
